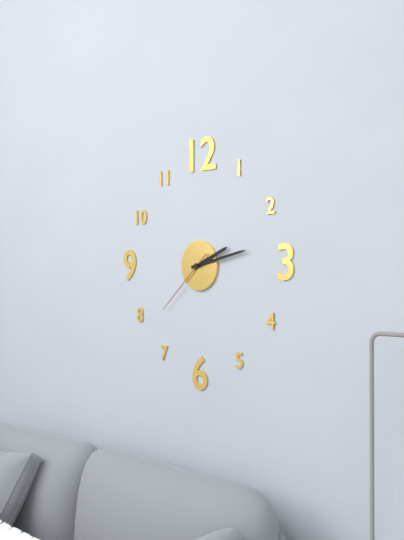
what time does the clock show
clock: 2:13:38
